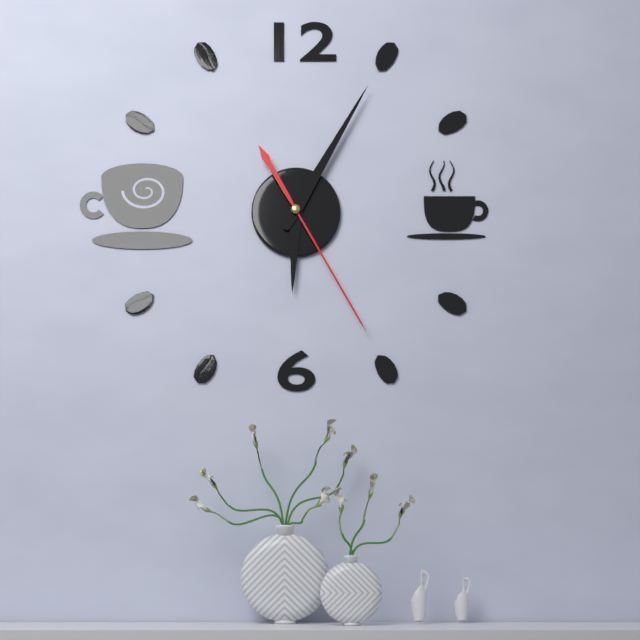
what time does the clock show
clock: 6:05:25
